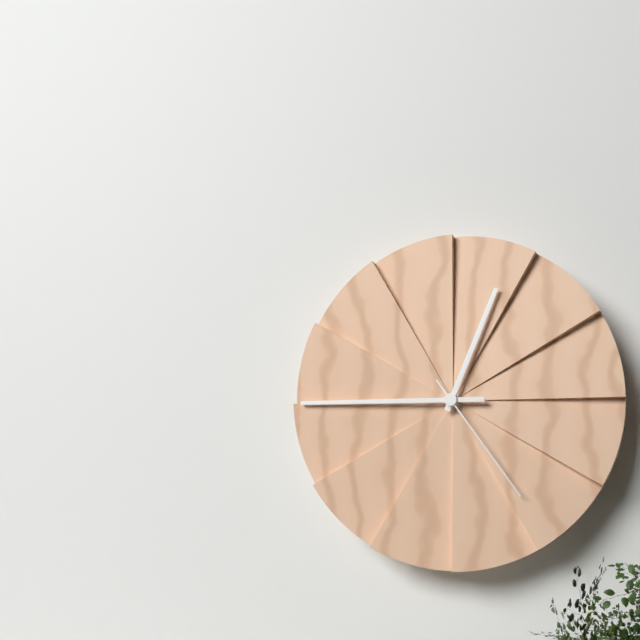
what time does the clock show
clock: 12:45:24
